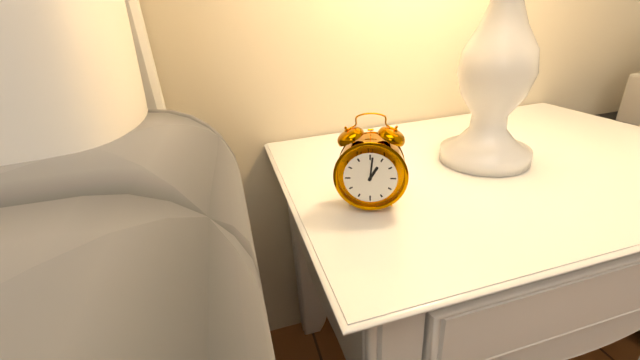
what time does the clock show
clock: 1:01
